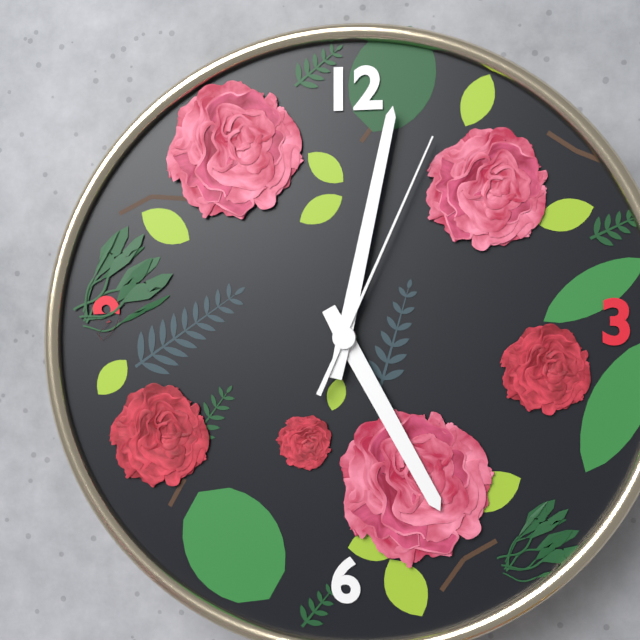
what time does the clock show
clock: 5:02:04
